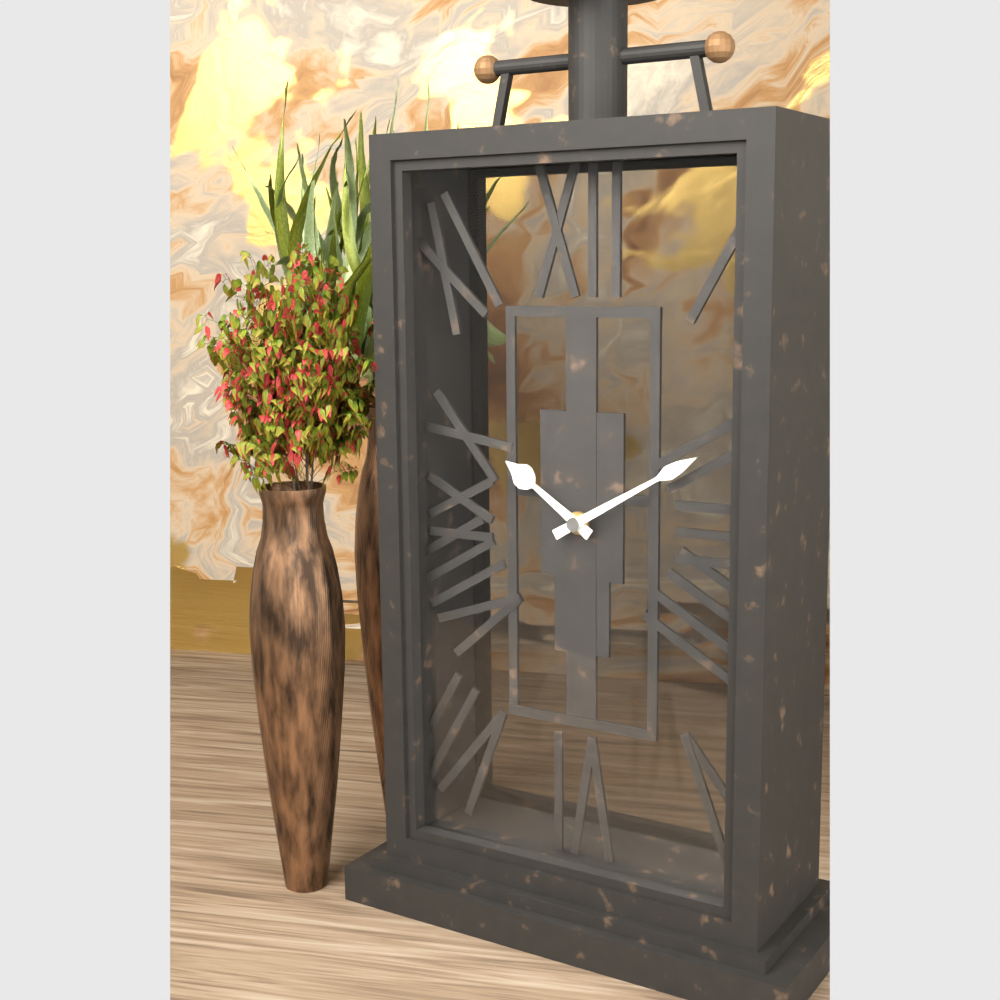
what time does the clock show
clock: 10:10
